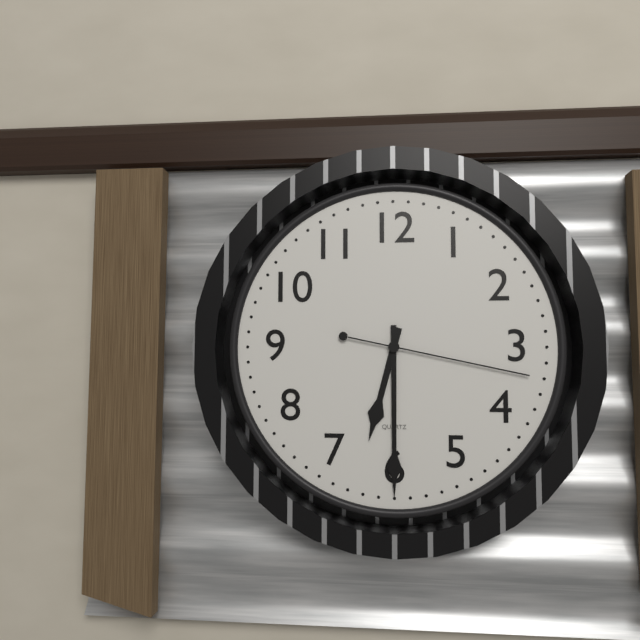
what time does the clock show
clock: 6:30:17
